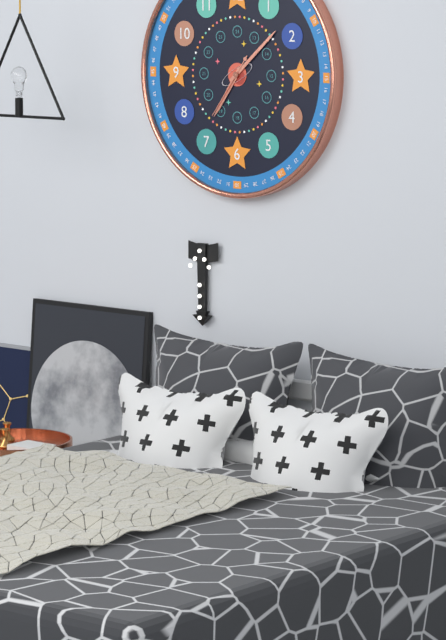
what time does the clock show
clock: 7:08:36
